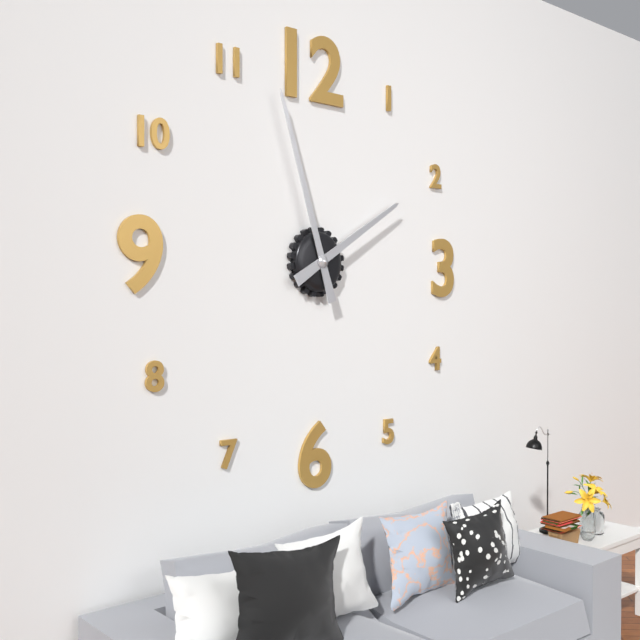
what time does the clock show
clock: 1:57
